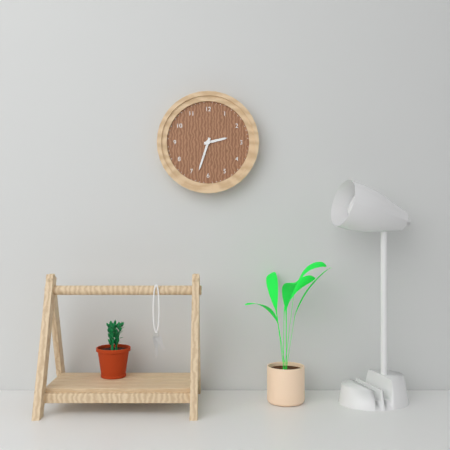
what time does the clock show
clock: 2:33
